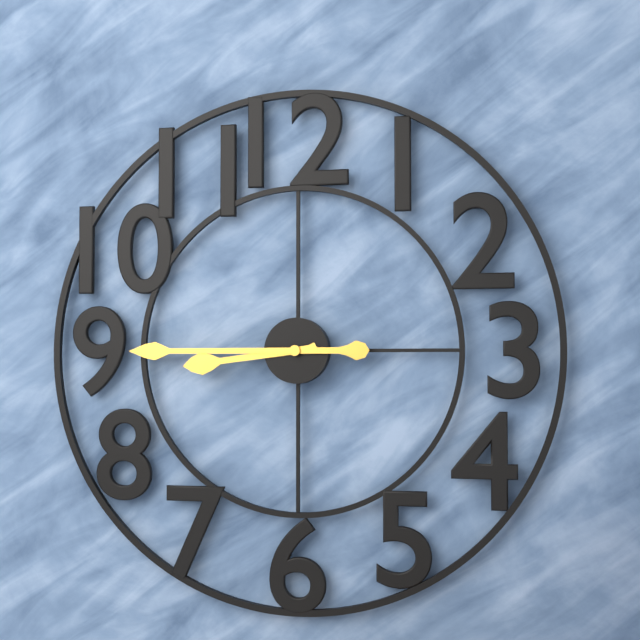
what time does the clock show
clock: 8:45
